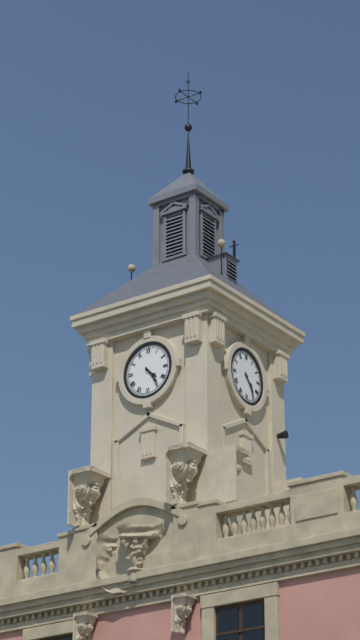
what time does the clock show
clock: 4:24
